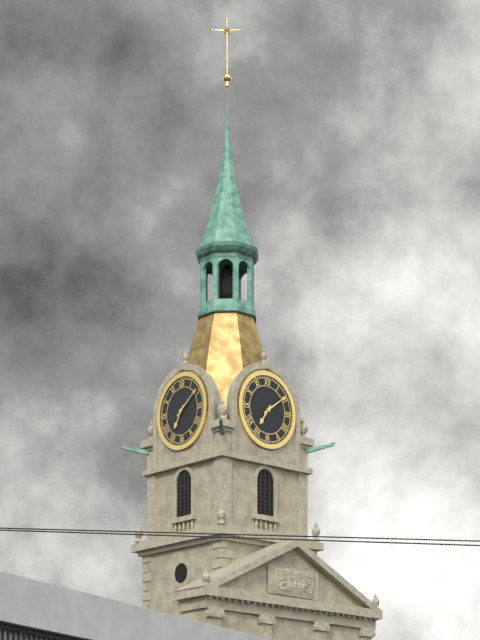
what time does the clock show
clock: 7:09
